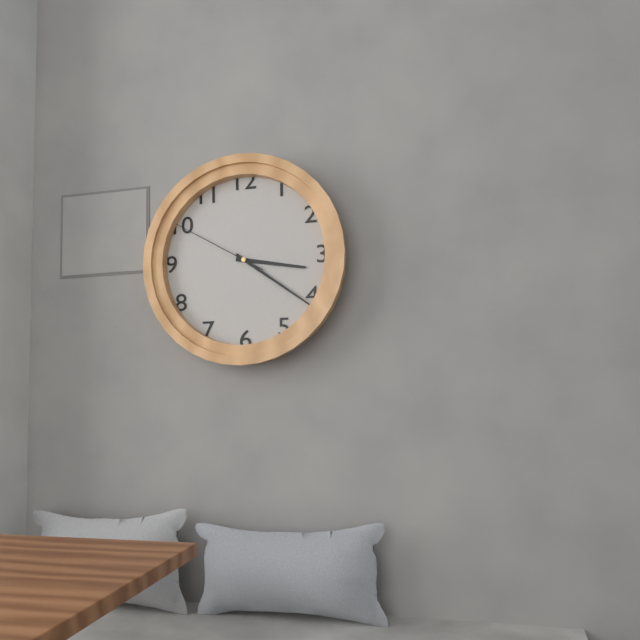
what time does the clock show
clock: 3:21:50
